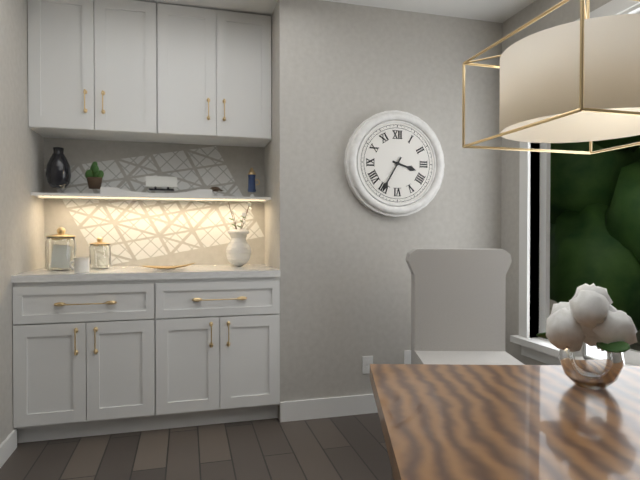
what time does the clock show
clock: 3:35
